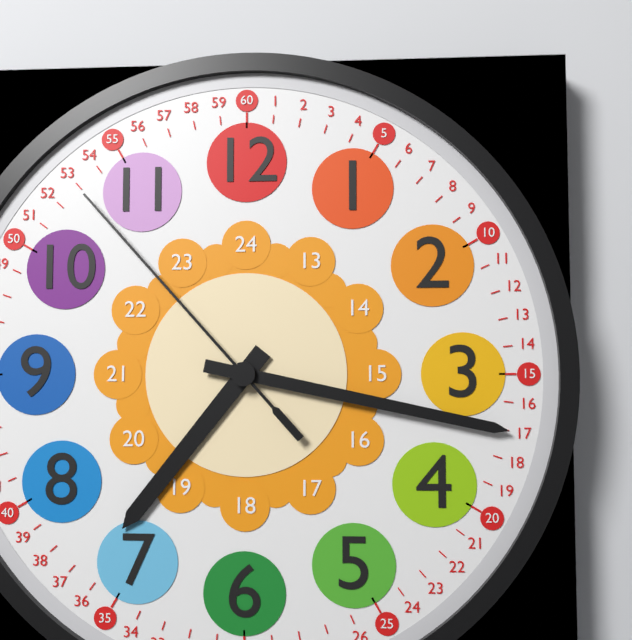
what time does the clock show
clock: 7:17:53
